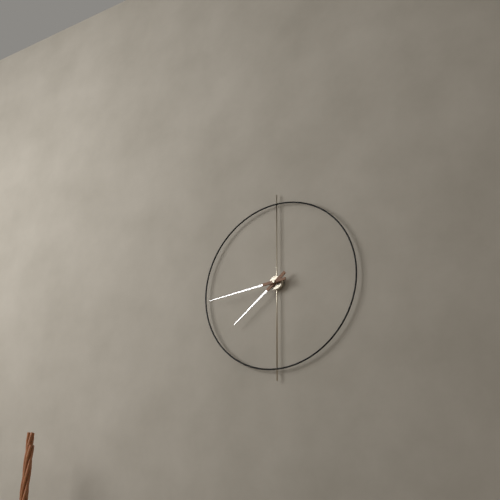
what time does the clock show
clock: 7:44
